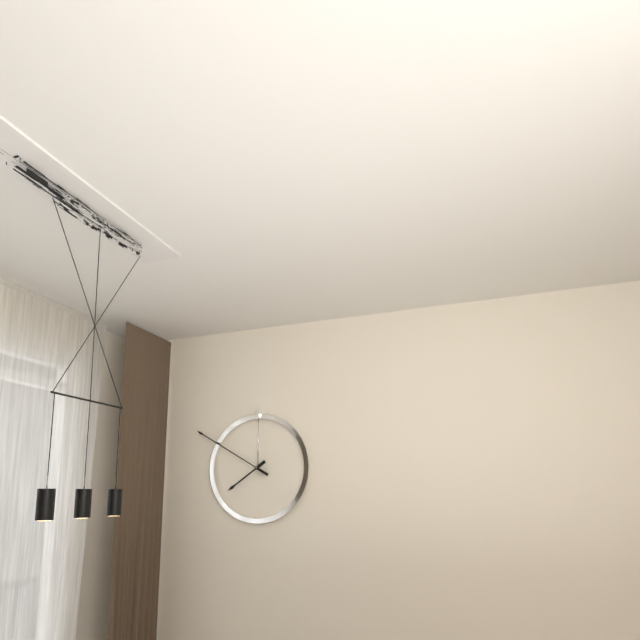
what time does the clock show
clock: 7:50
